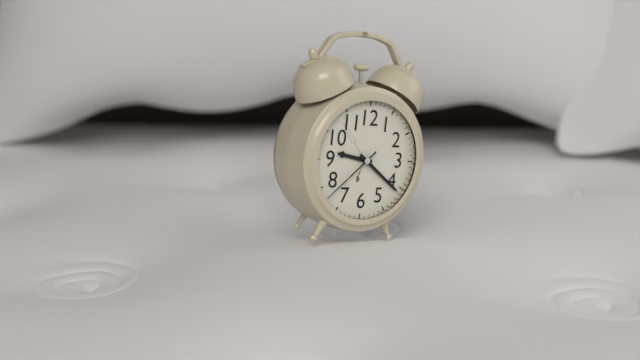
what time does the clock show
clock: 9:21:38
